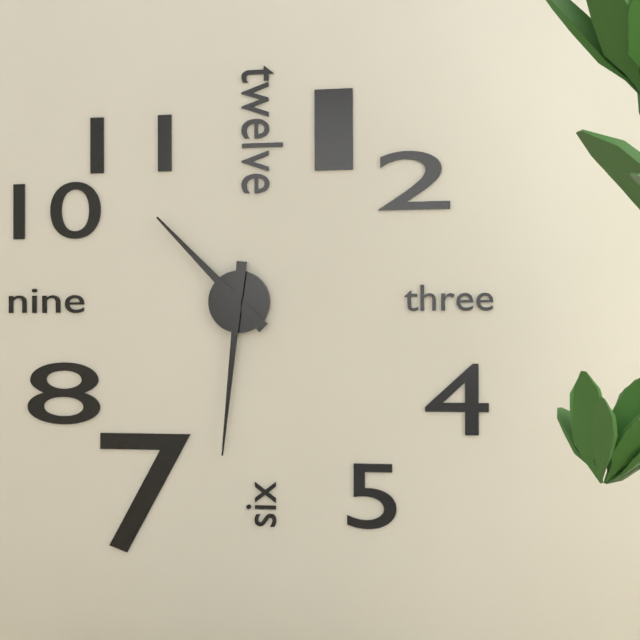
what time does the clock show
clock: 10:31
